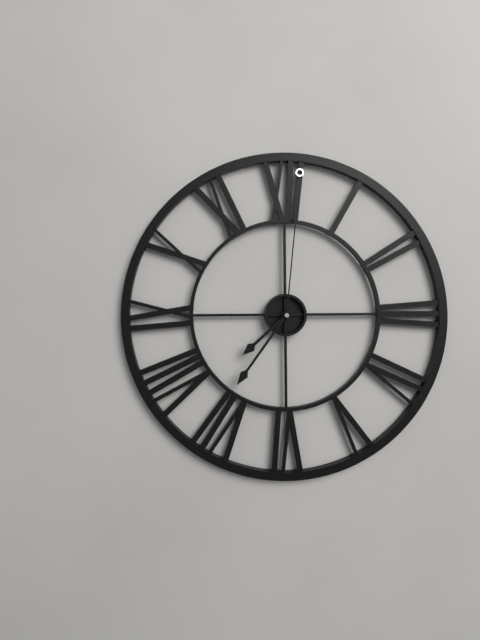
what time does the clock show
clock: 7:36:01
